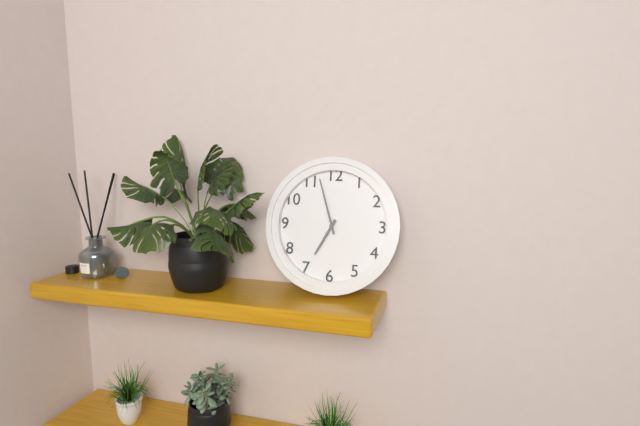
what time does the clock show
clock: 6:57
